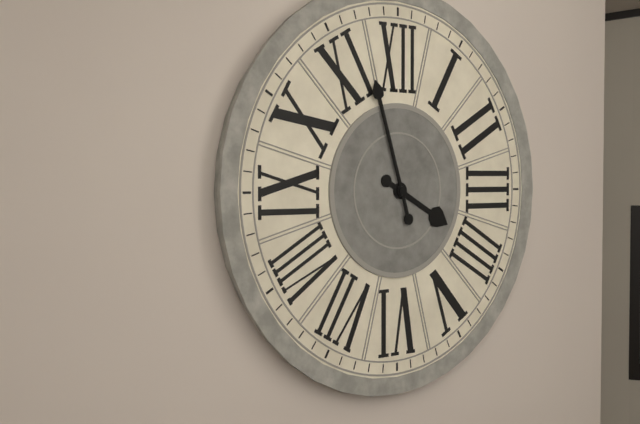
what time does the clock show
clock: 3:57
